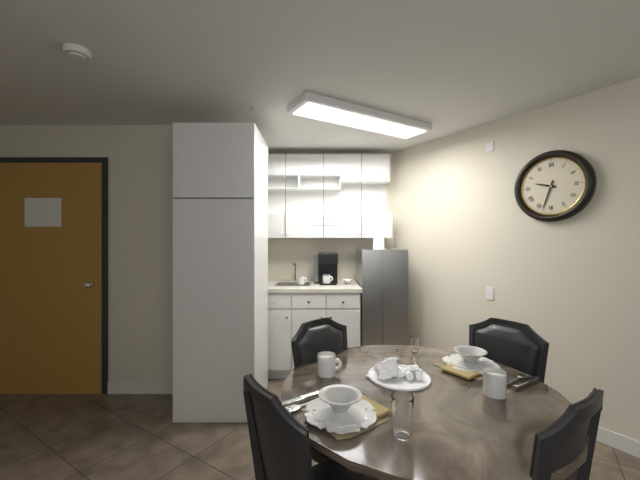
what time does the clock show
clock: 9:33
